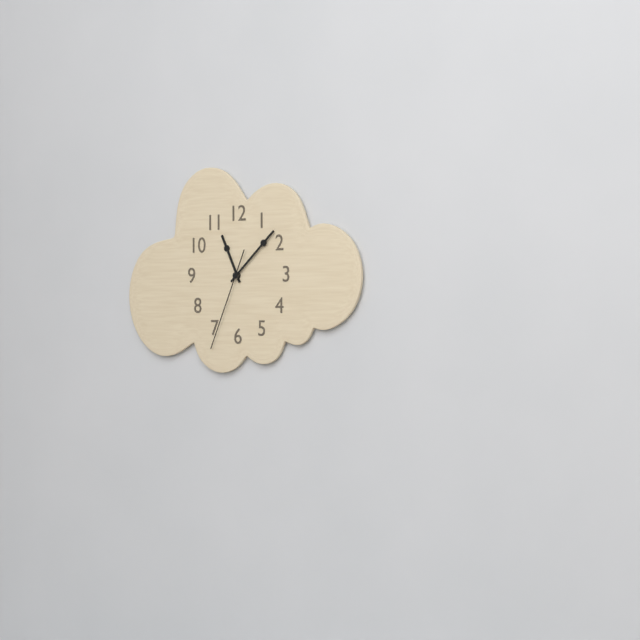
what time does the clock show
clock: 11:08:34
